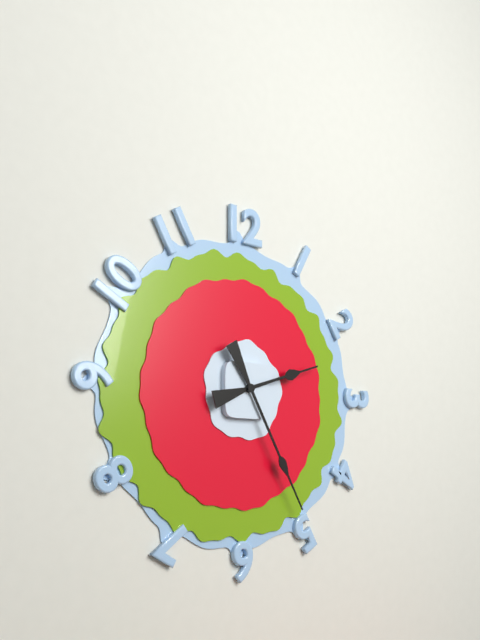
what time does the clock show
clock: 2:25
